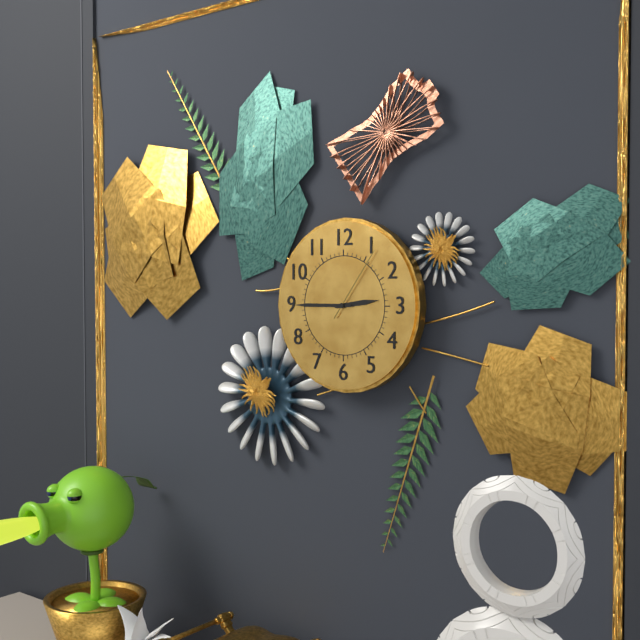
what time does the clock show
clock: 2:45:06
